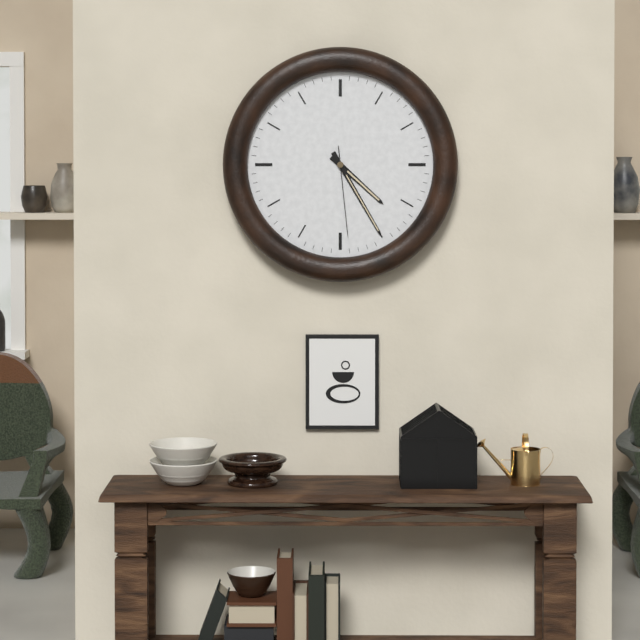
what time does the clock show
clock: 4:25:29
